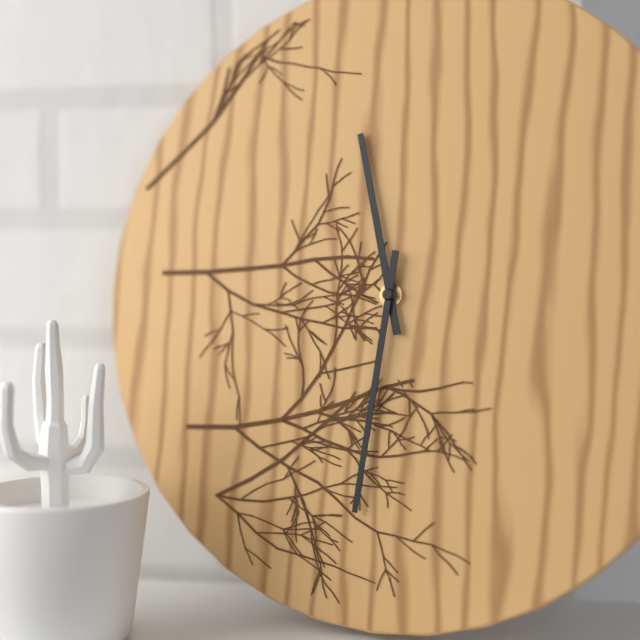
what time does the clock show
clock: 11:31
